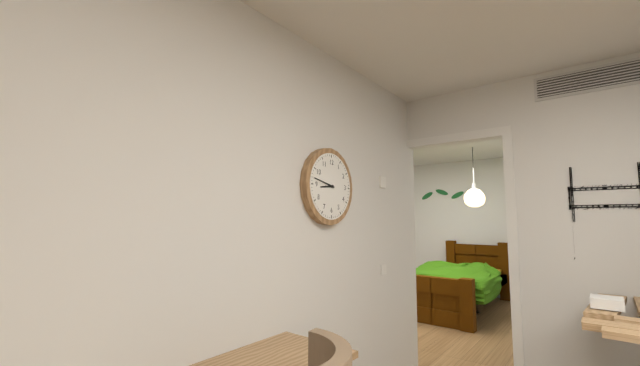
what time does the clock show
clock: 8:47
